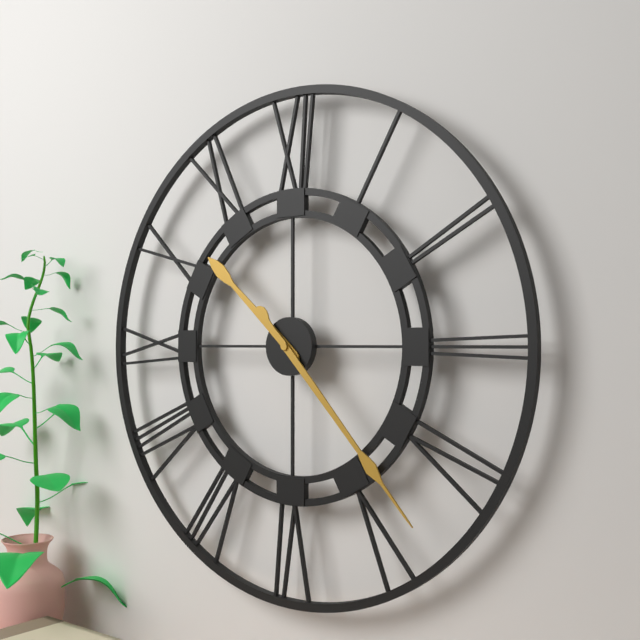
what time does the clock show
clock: 10:23
